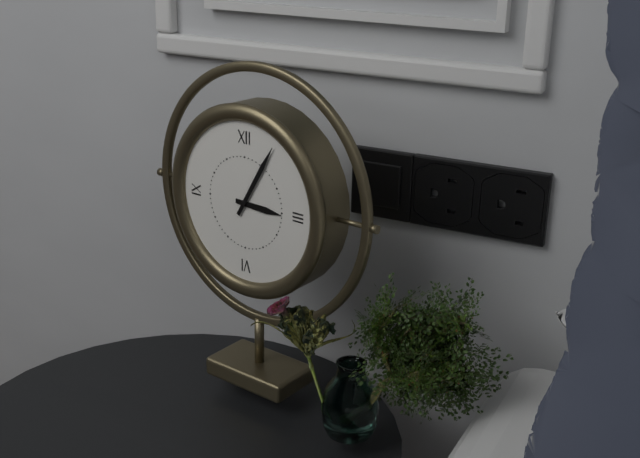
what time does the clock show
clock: 3:05
